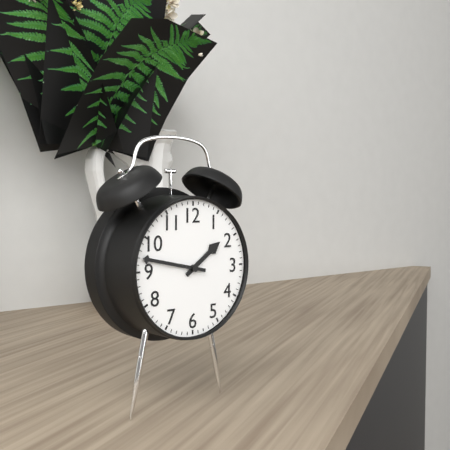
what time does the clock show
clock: 1:47
